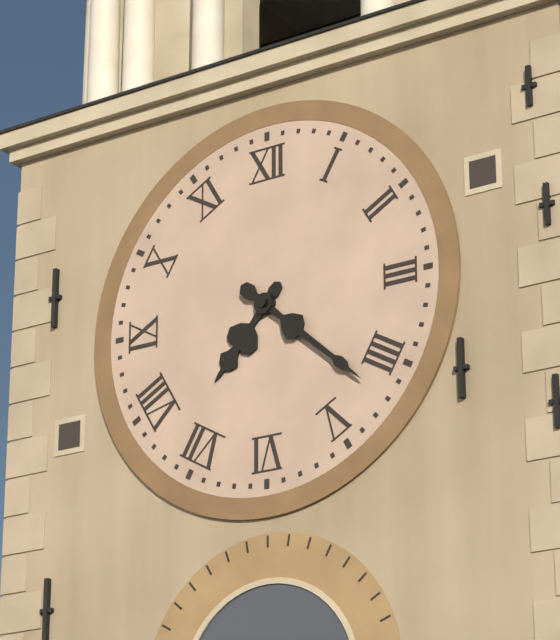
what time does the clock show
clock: 7:22
